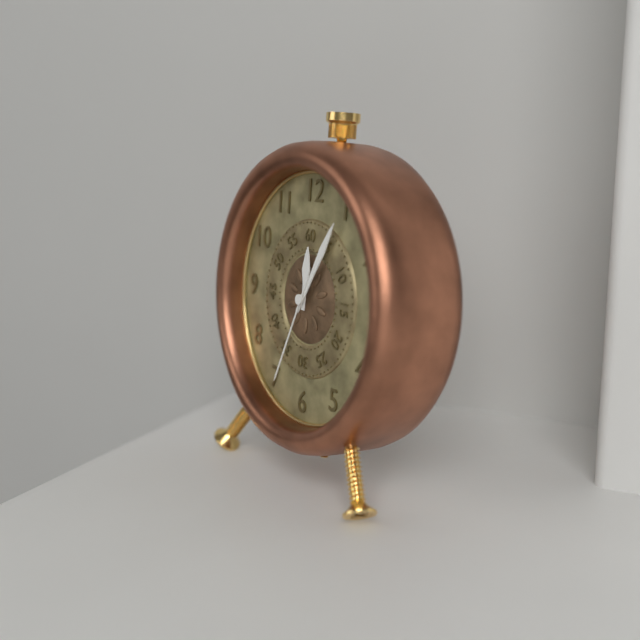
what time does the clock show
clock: 12:05:34
